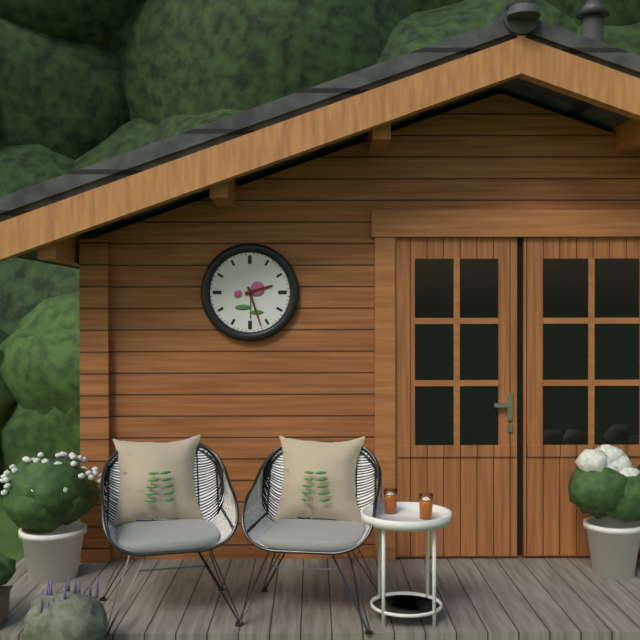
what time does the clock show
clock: 2:27
